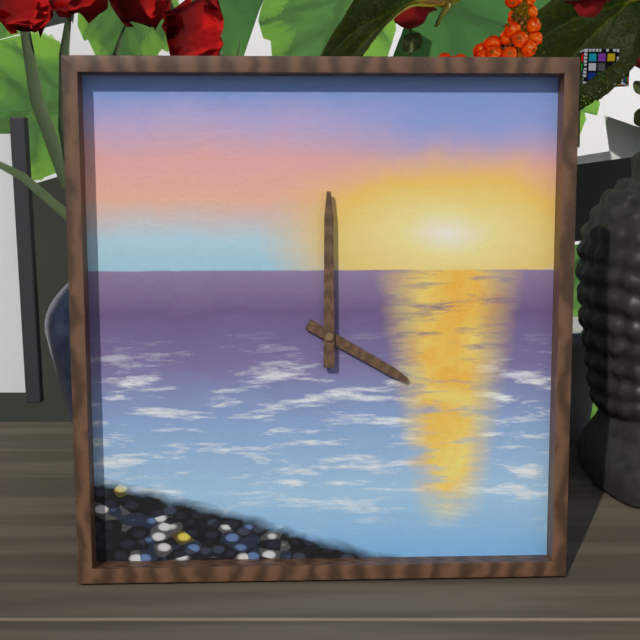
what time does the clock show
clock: 4:00
